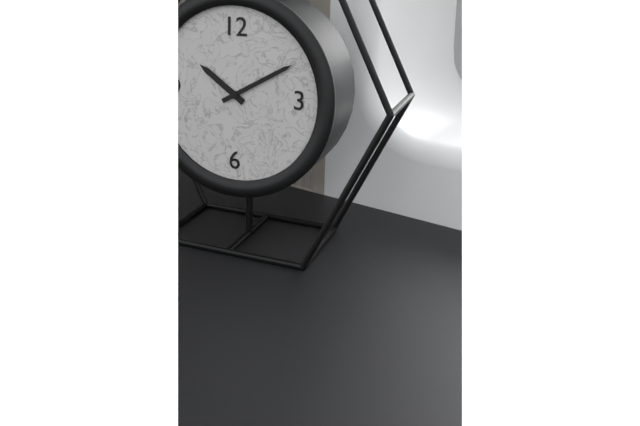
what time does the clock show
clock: 10:10
